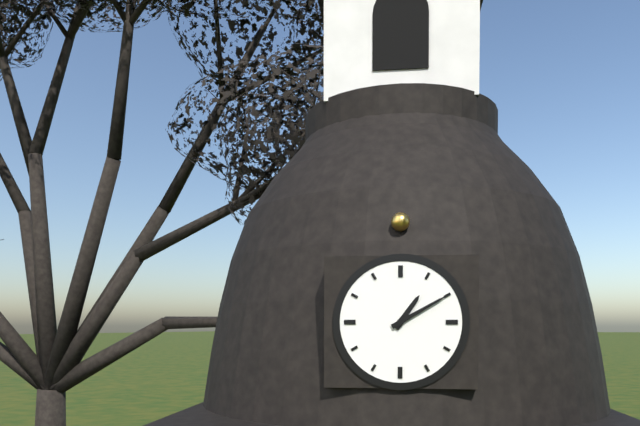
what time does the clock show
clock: 1:10
